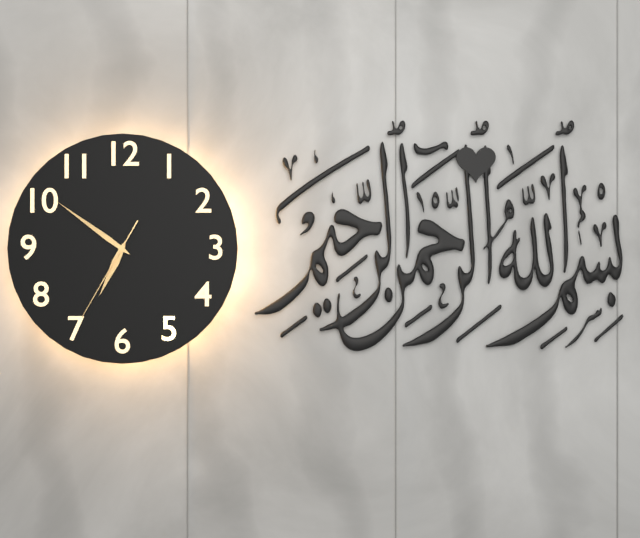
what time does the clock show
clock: 6:51:35
